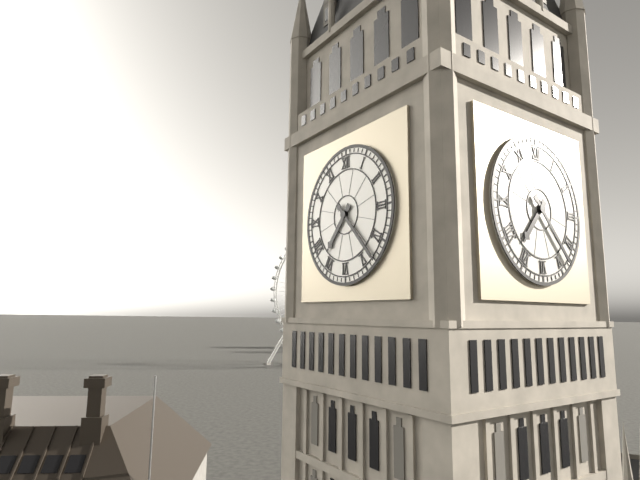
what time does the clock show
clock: 7:23
